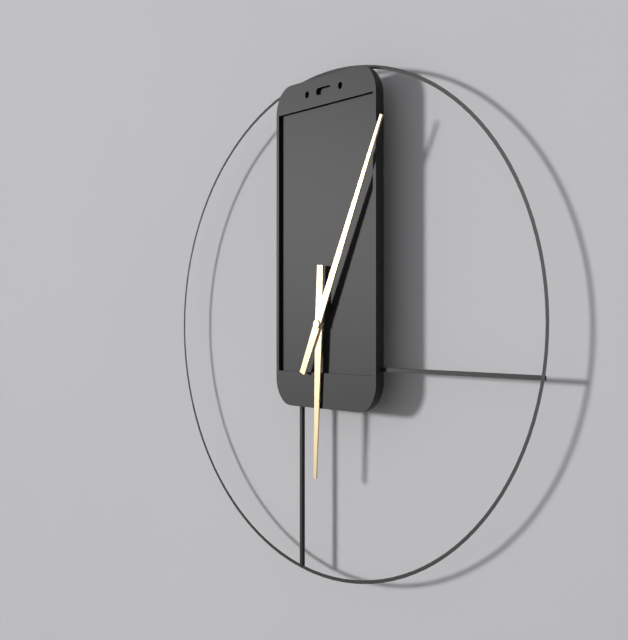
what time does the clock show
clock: 6:04
